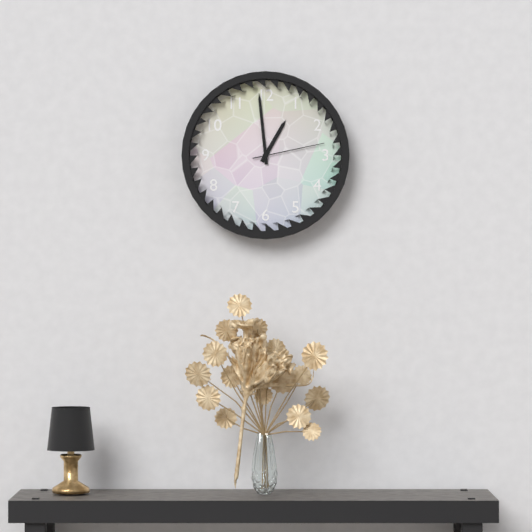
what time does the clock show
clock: 12:59:13
